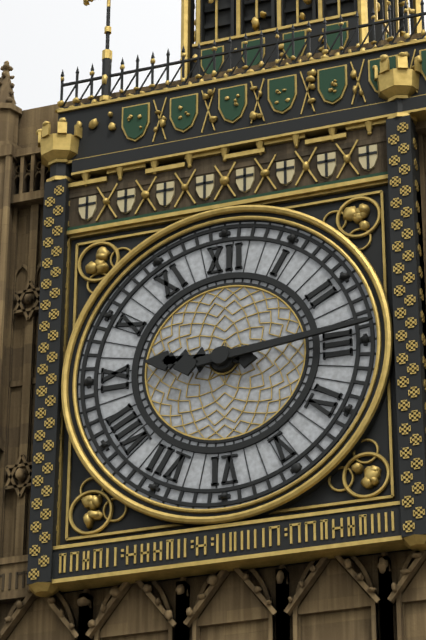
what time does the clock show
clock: 9:14
